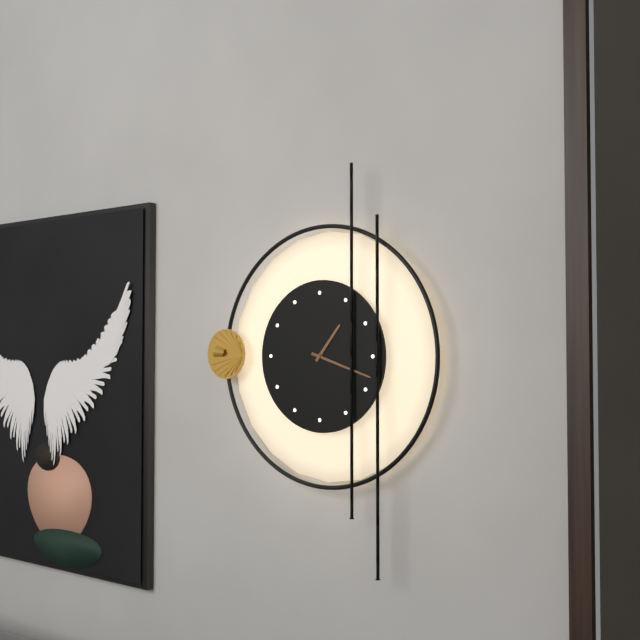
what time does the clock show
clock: 1:18
